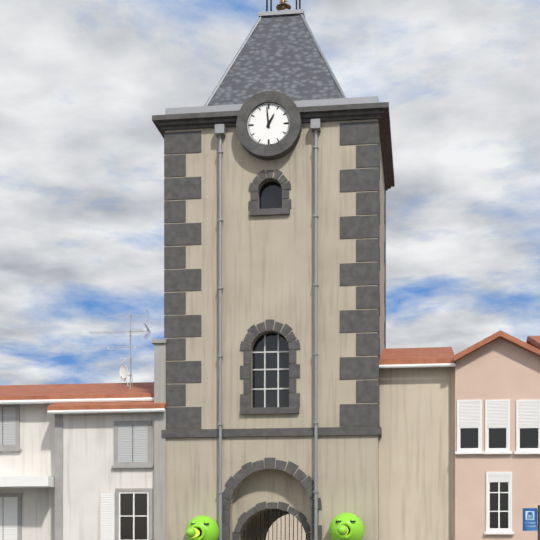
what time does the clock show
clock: 12:59
